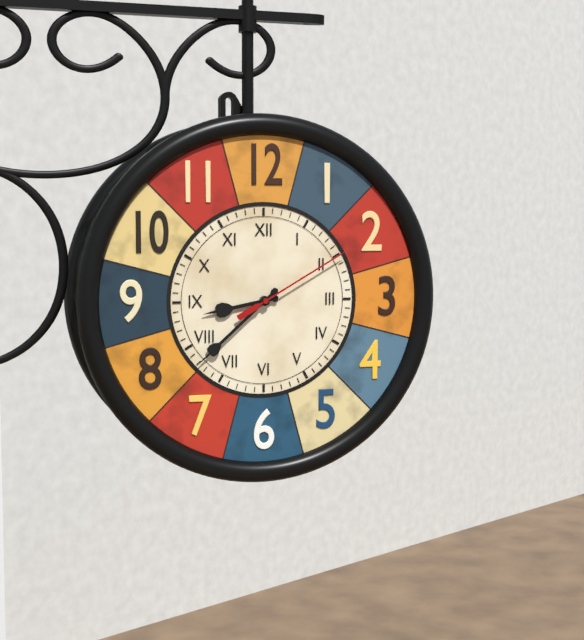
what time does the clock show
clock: 8:38:10
